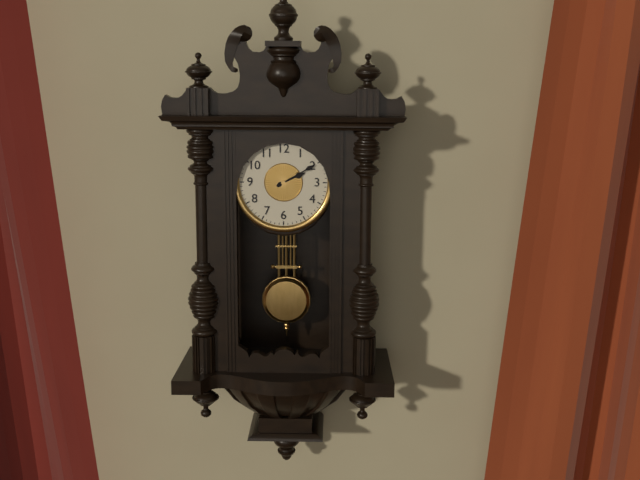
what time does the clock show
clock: 2:10
